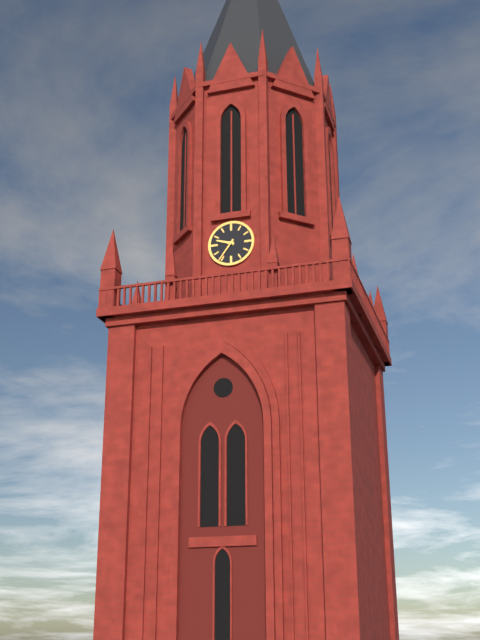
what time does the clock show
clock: 9:36
